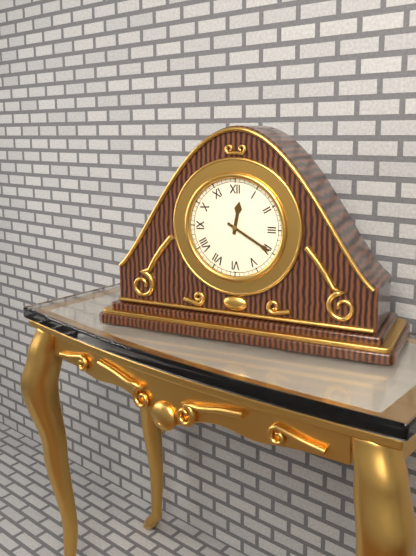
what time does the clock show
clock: 12:20
